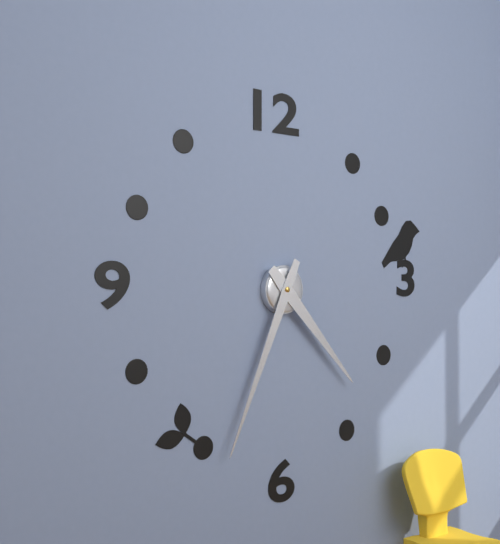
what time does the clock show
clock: 4:34
